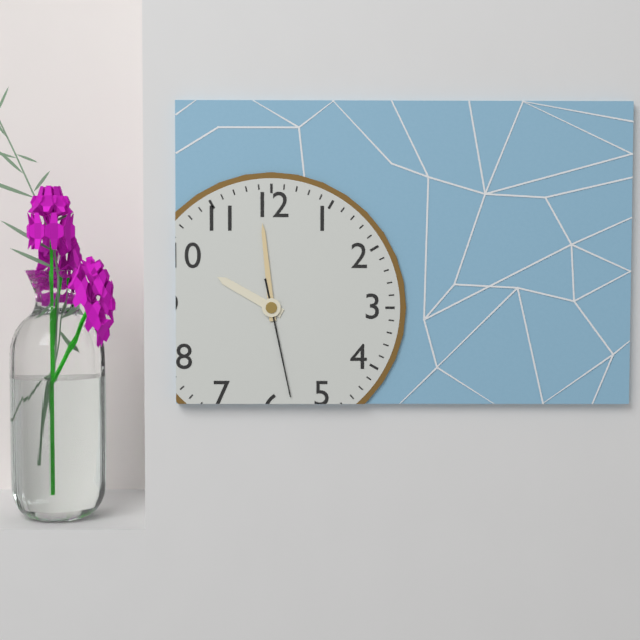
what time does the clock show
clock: 9:59:28
